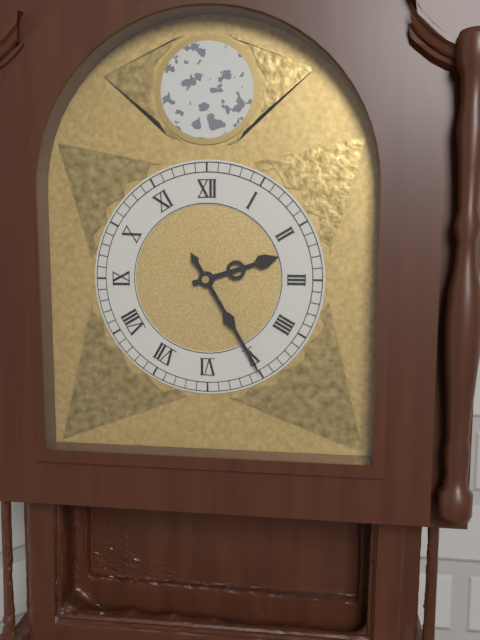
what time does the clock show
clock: 2:25
